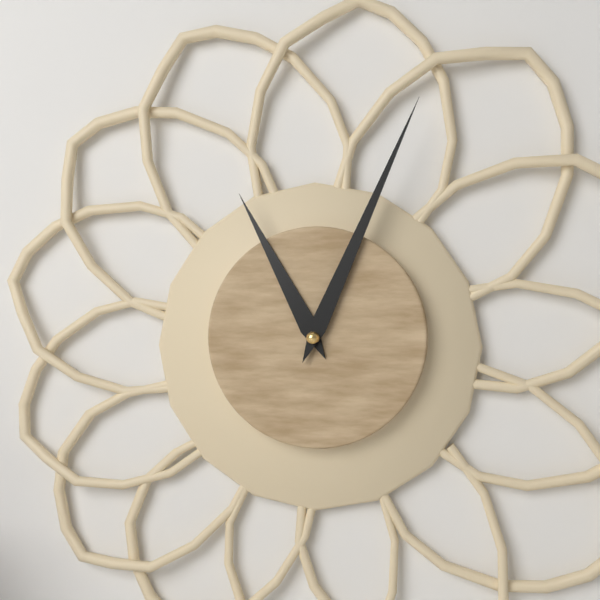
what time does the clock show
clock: 11:04
